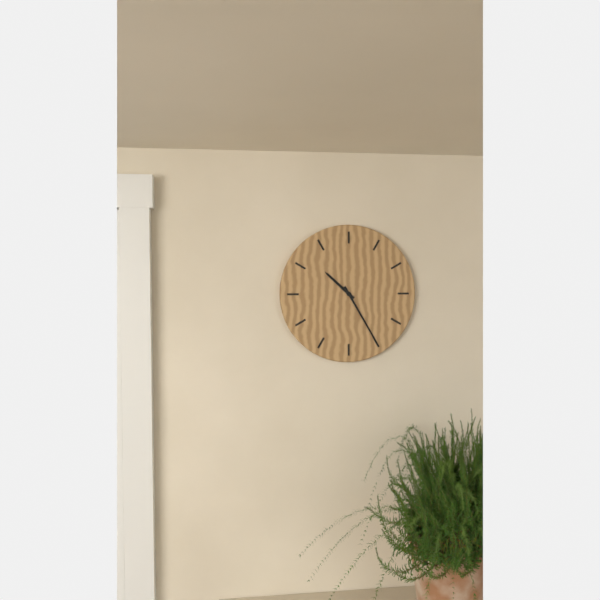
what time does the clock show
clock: 10:25
